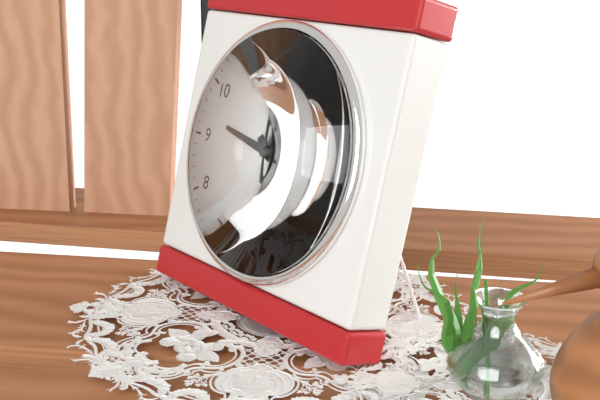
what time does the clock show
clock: 9:23:59
